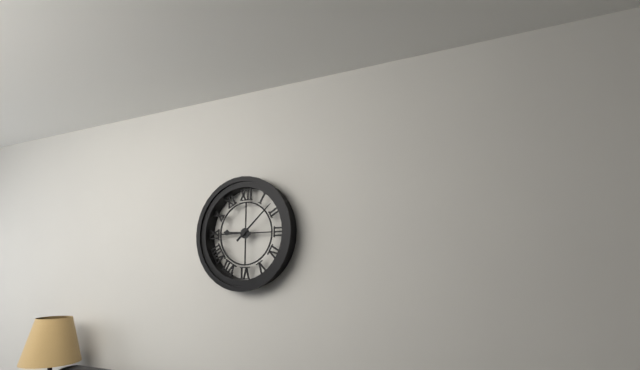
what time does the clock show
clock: 9:08
